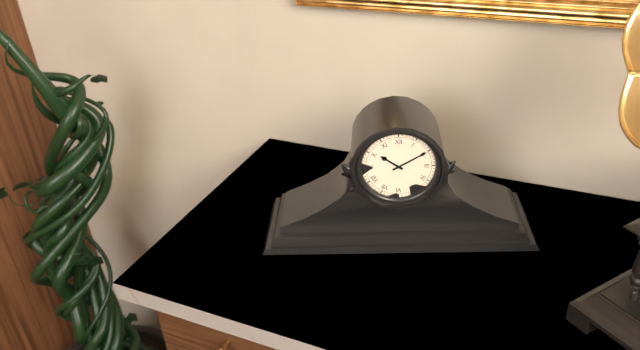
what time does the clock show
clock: 10:10
